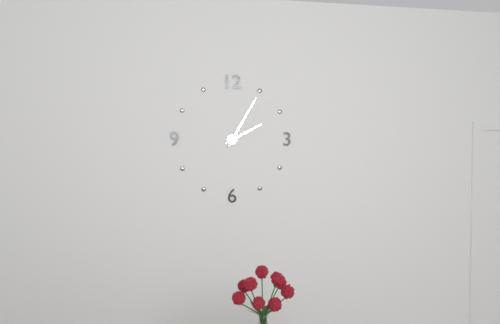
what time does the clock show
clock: 2:05
